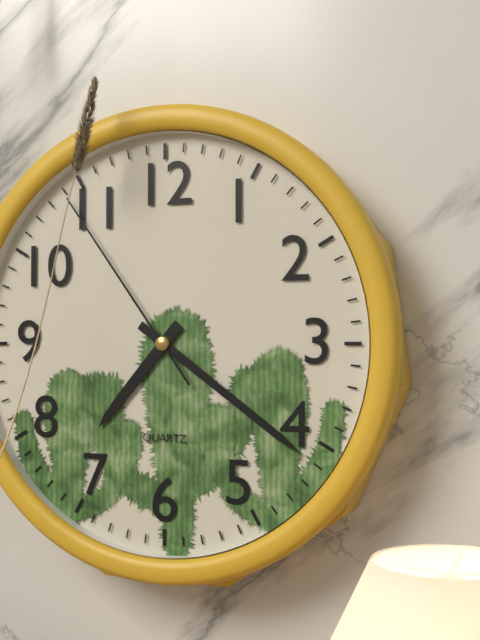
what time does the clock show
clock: 7:21:54
